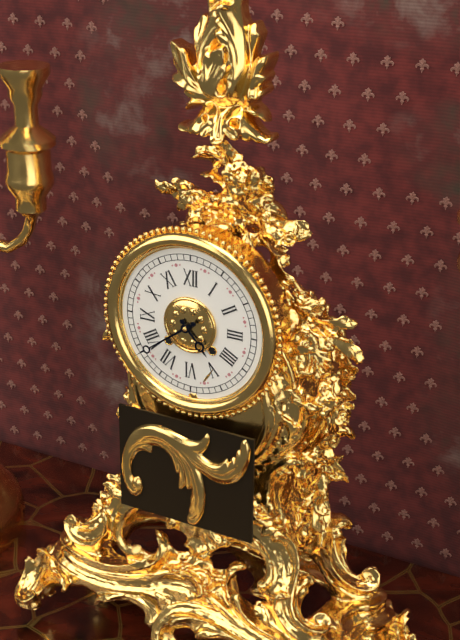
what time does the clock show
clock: 4:39
